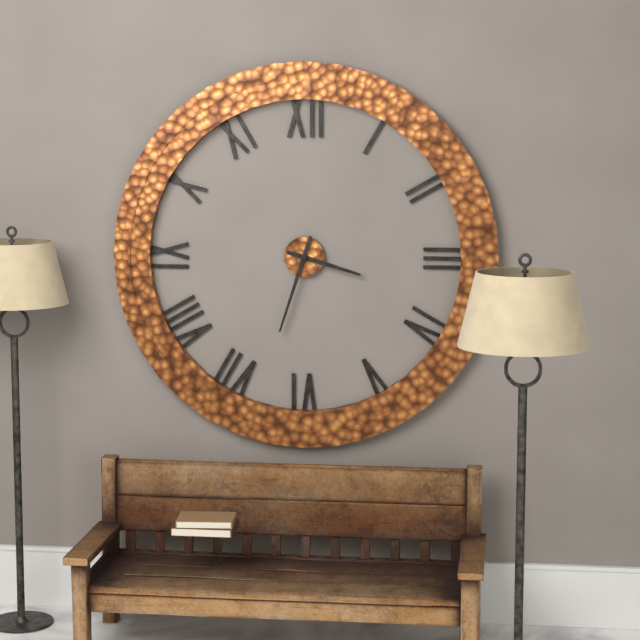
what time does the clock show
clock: 3:33
